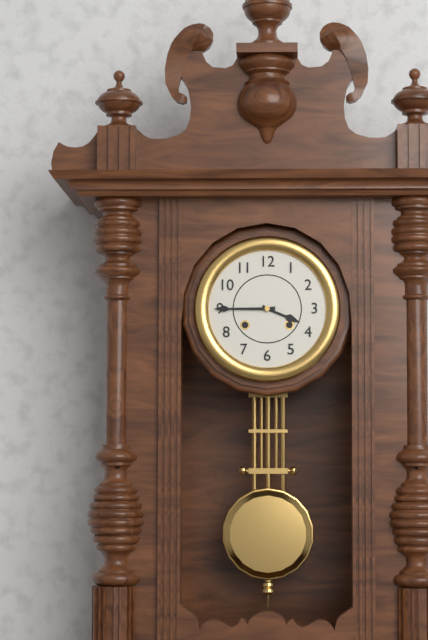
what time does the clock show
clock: 3:45
